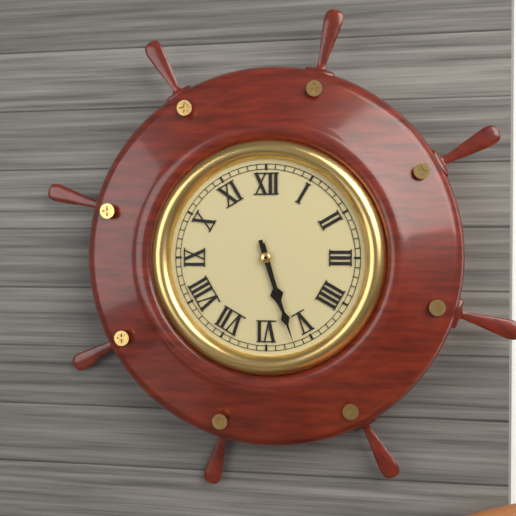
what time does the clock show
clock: 5:27
